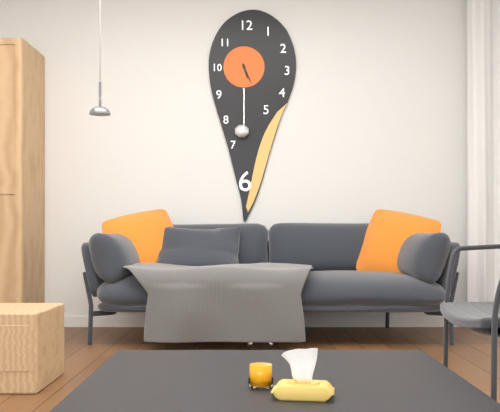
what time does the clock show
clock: 5:26
